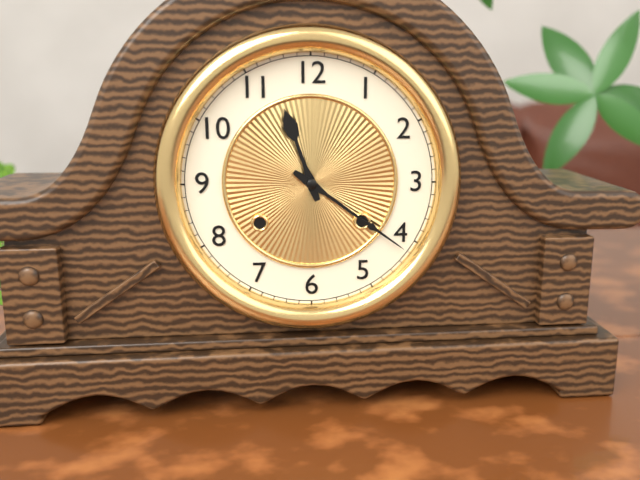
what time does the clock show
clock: 11:21
